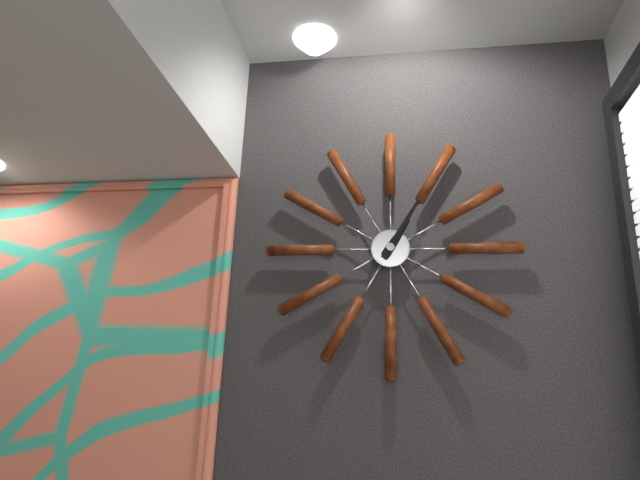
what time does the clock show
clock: 1:05
